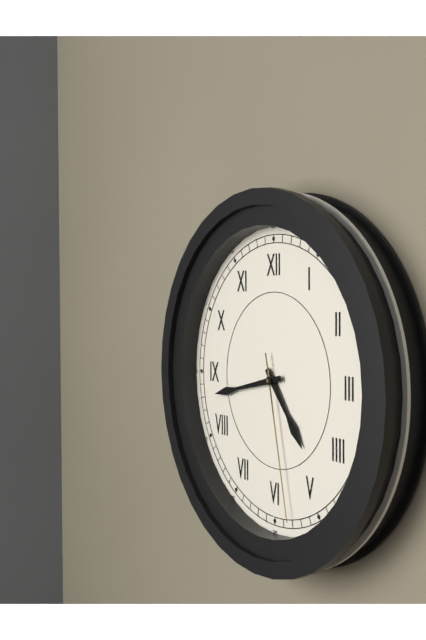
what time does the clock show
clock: 4:43:28
